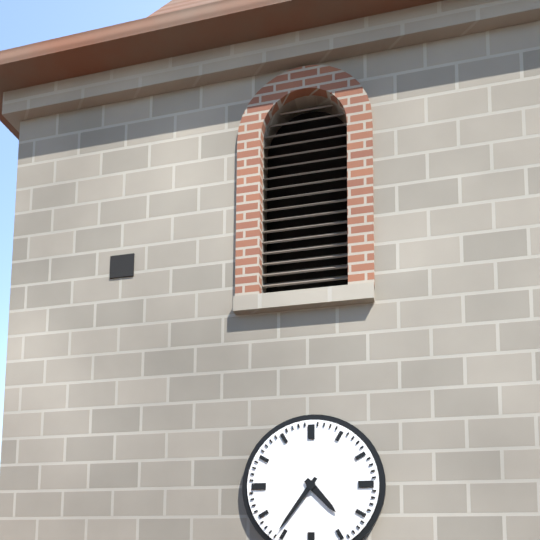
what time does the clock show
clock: 4:36
